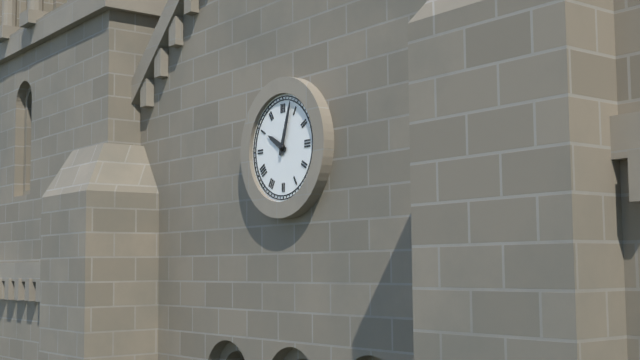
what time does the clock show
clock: 10:03
